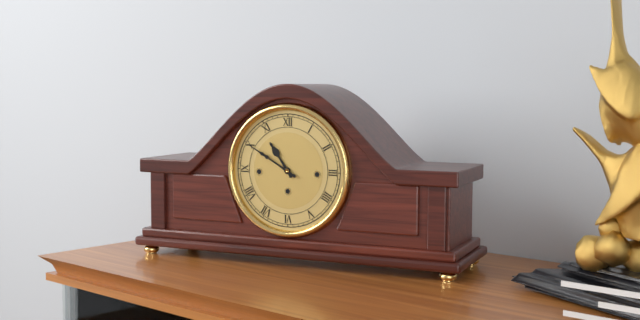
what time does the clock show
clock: 10:50
